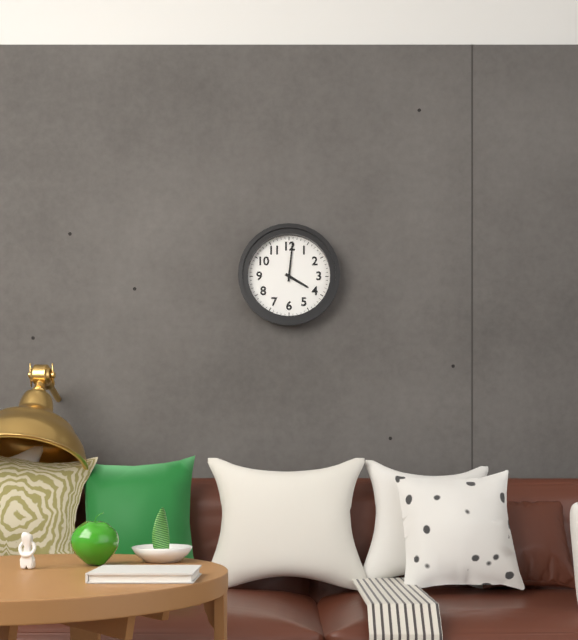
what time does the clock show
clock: 4:01
